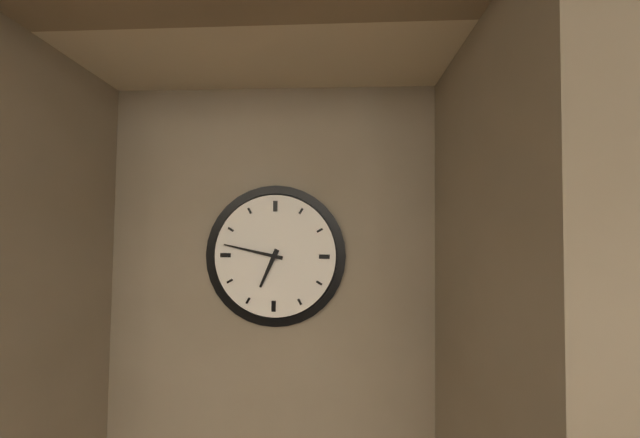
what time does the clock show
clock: 6:47
